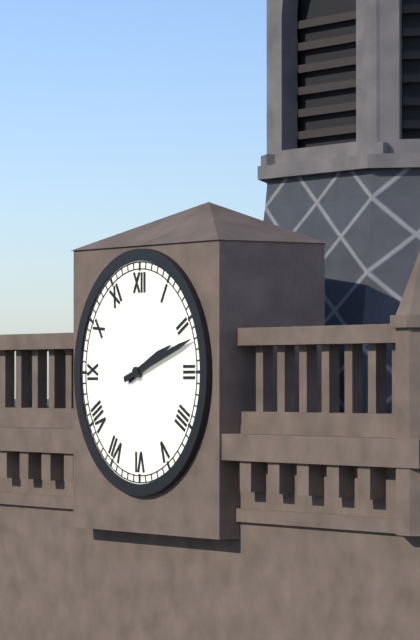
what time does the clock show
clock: 2:12
